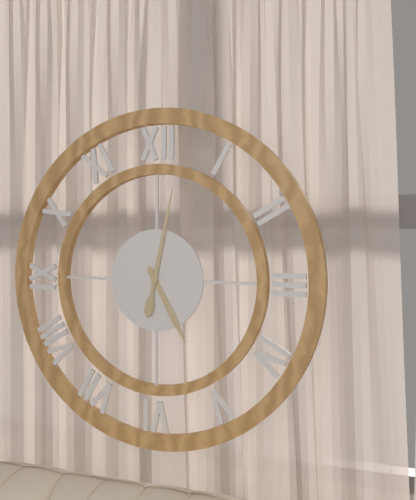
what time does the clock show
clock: 5:02
